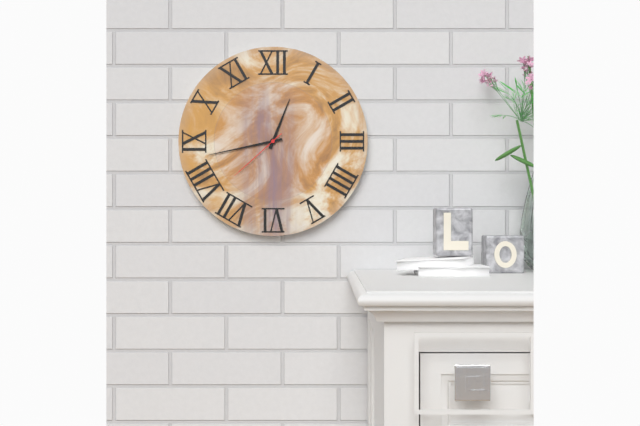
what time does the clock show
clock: 12:43:38
